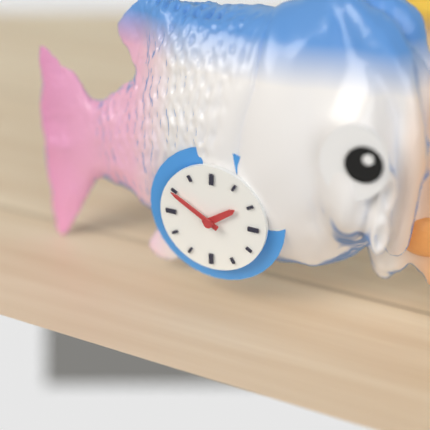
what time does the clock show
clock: 1:50
